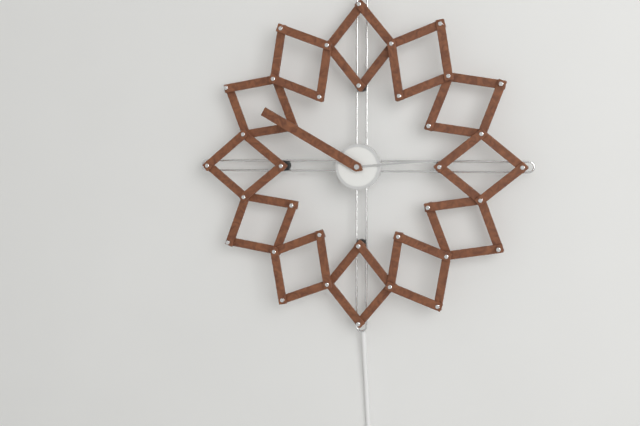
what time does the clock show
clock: 2:50
